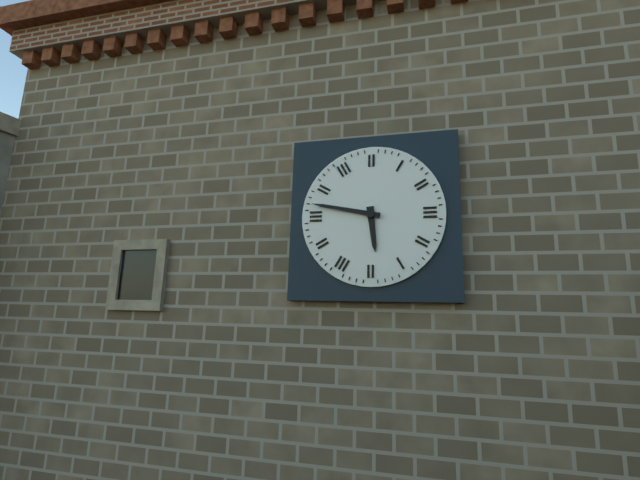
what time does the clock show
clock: 5:47
